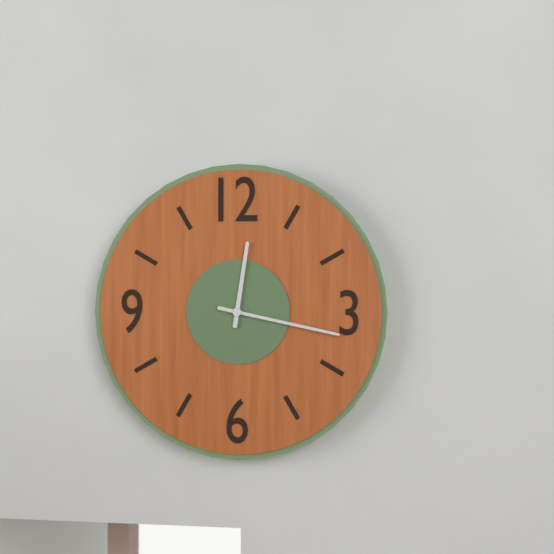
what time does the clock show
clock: 12:17
